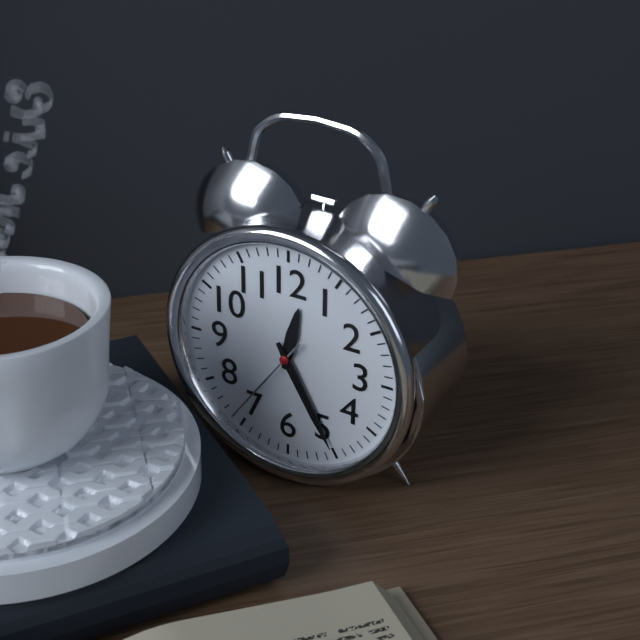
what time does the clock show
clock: 12:25:36
